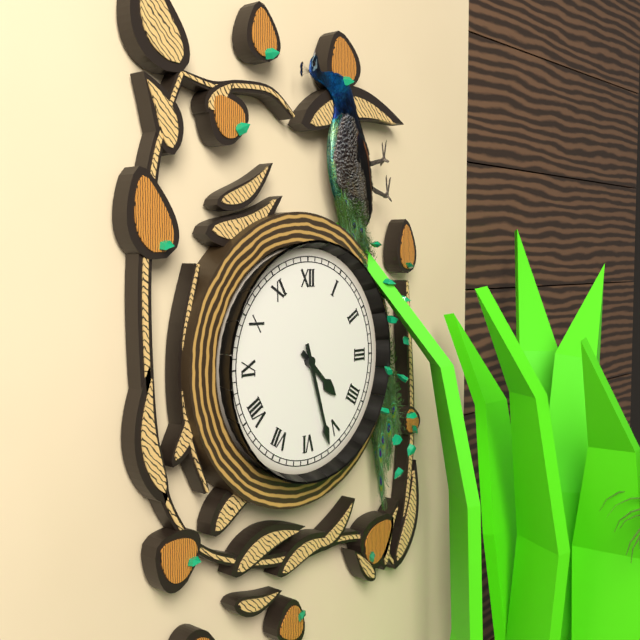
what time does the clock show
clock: 4:27
